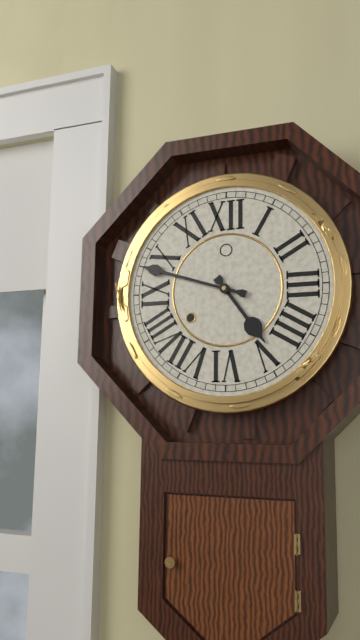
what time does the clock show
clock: 4:48
